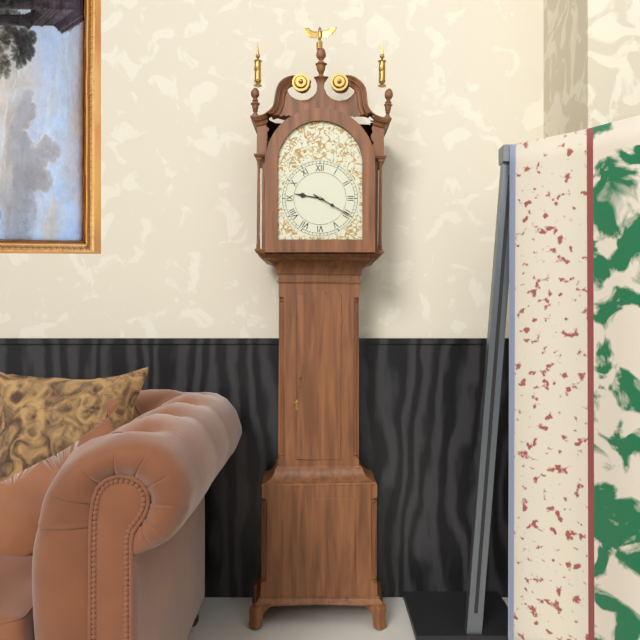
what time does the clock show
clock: 9:20
